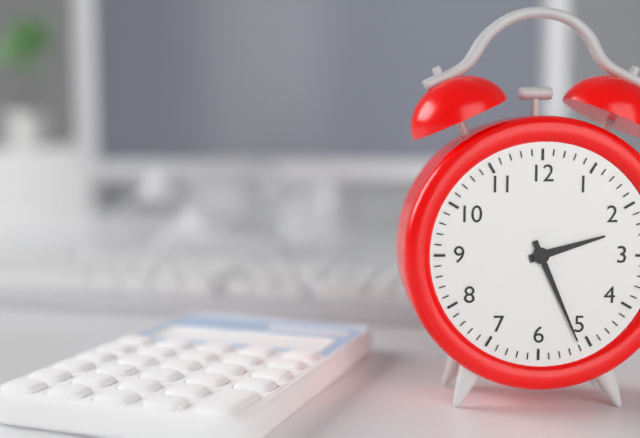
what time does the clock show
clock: 2:26
